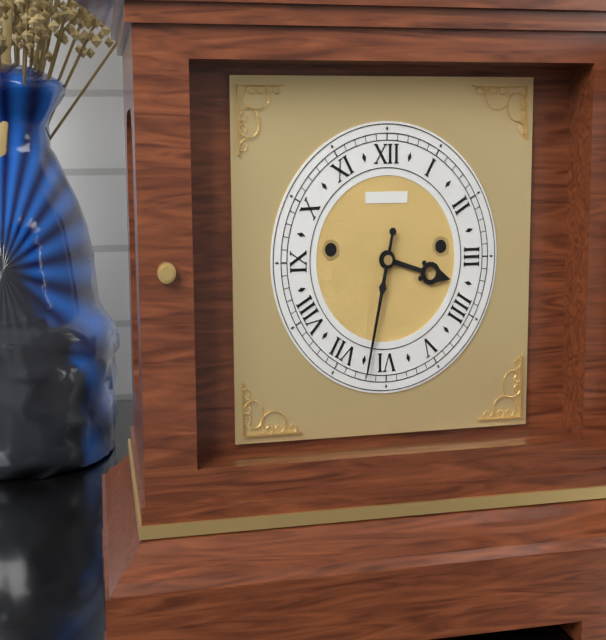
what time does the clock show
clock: 3:32
